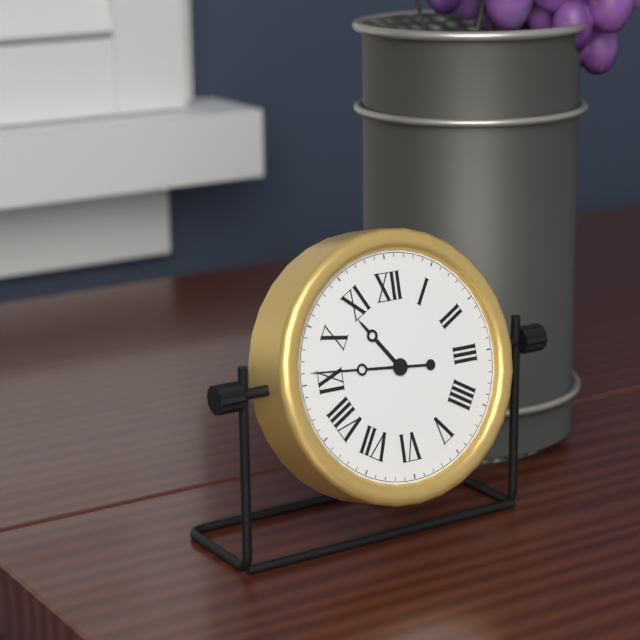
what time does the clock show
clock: 10:46
